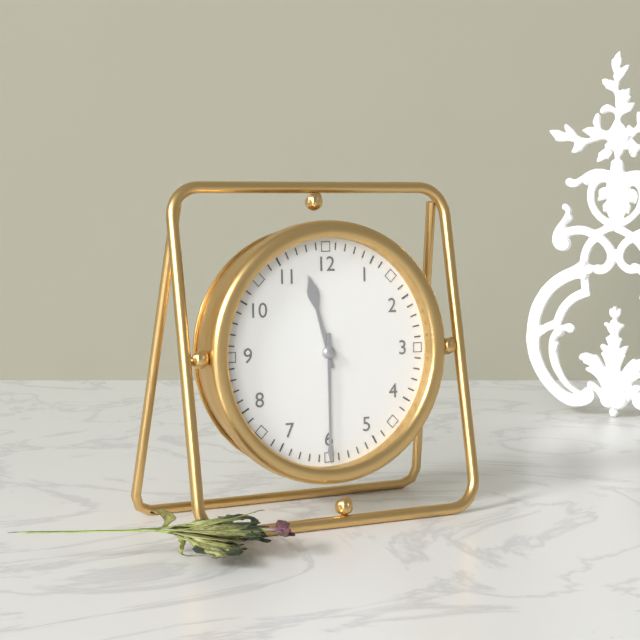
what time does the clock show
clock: 11:30
